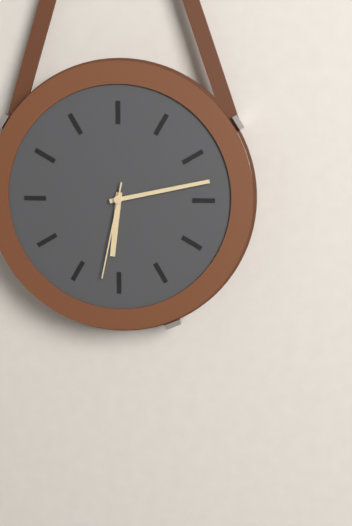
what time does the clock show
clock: 6:13:32
